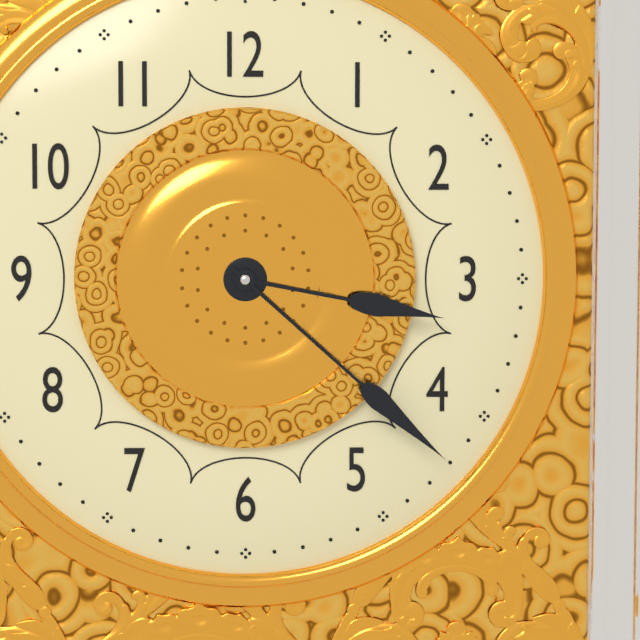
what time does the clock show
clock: 3:22
